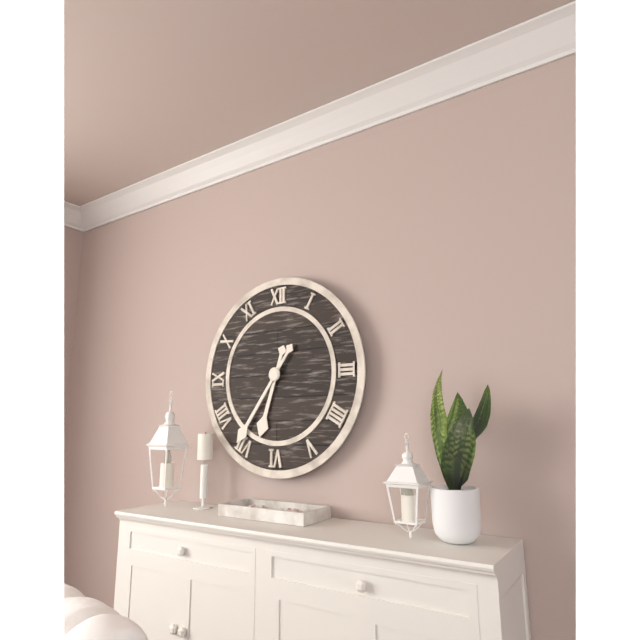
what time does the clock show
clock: 6:36
